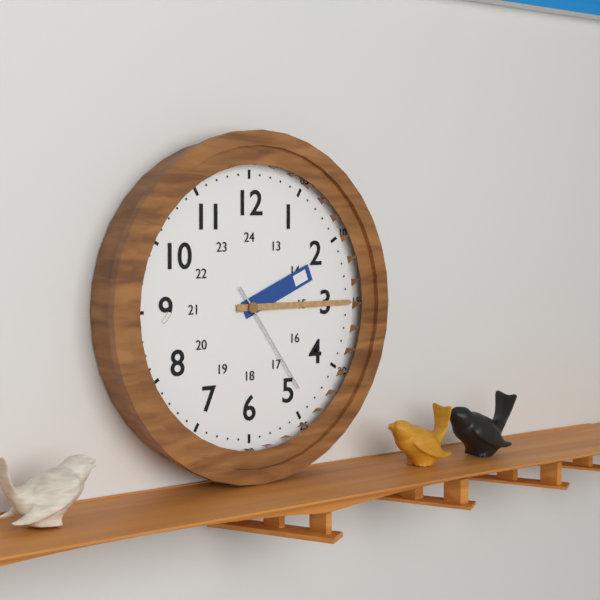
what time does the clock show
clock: 2:15:24
